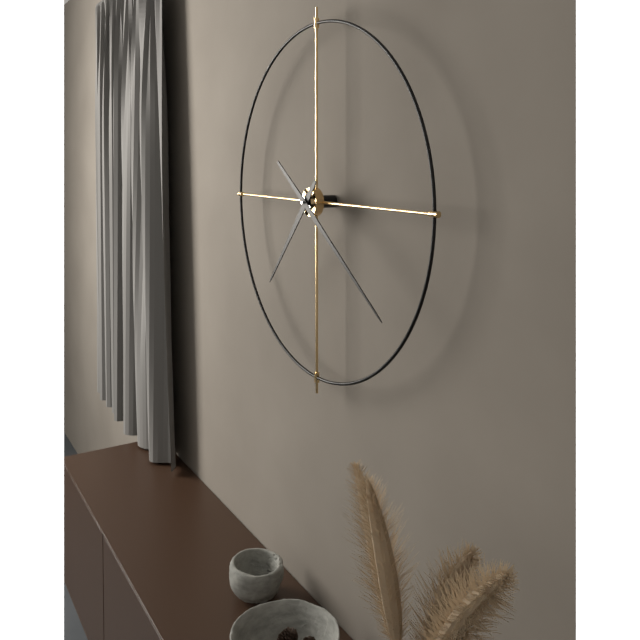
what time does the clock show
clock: 7:21
